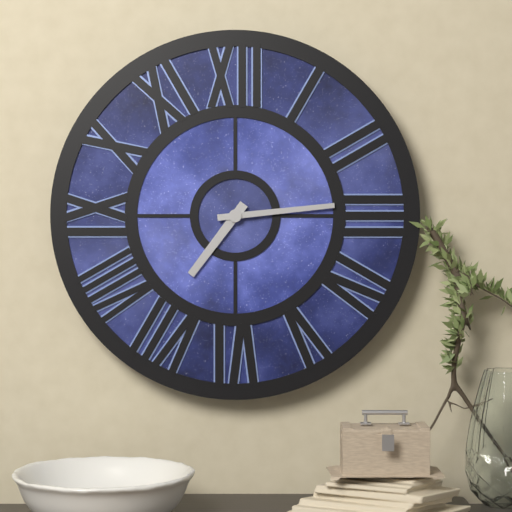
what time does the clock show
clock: 7:14
